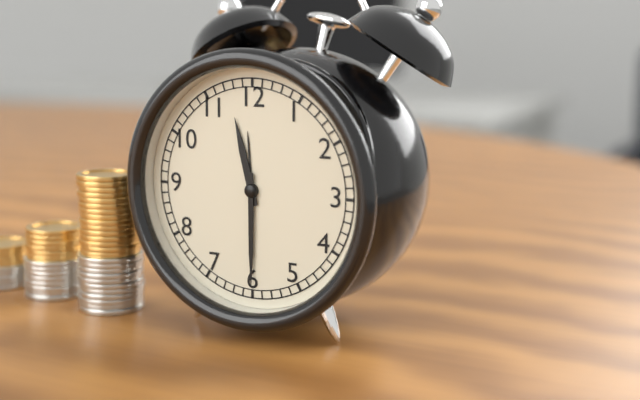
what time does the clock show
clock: 11:30
